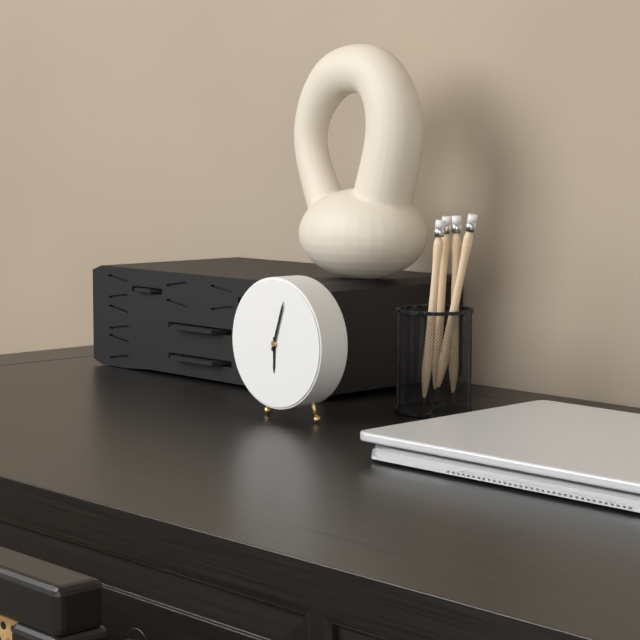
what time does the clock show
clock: 6:03
